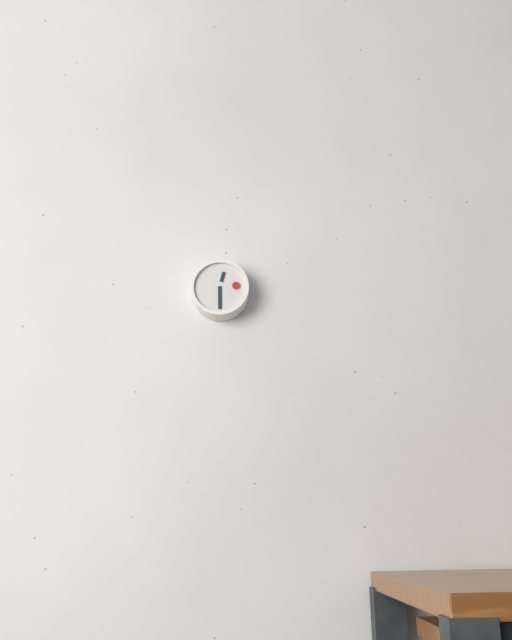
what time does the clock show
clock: 12:30
